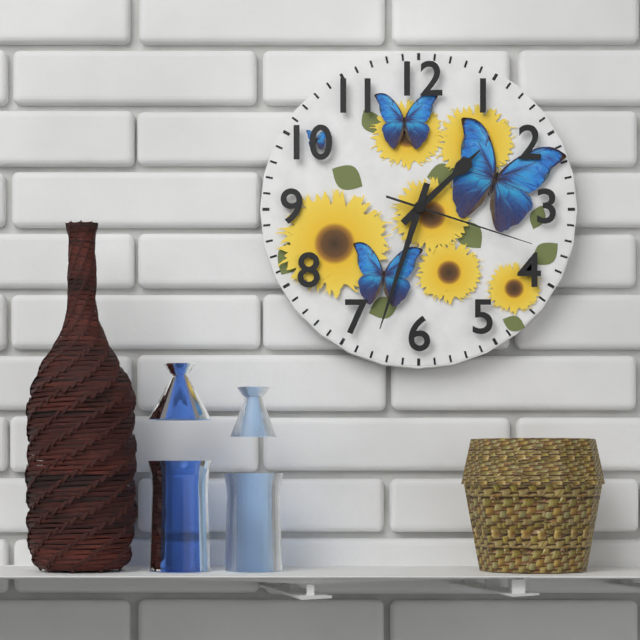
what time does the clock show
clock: 1:33:18
